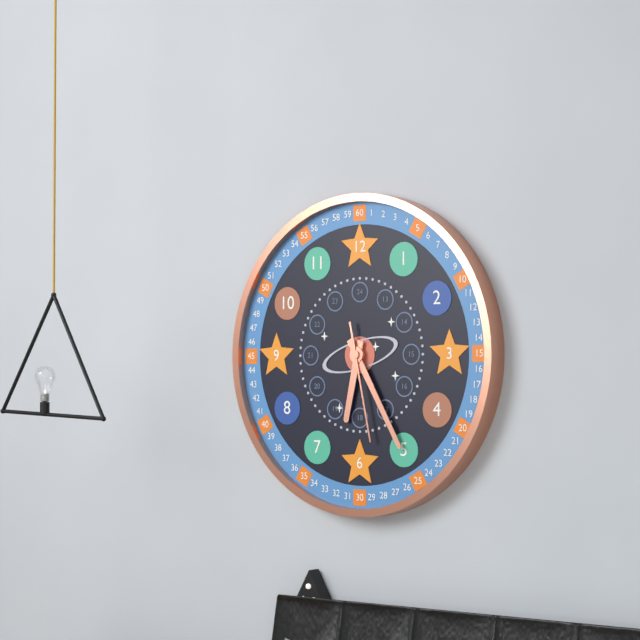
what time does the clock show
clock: 6:25:28
